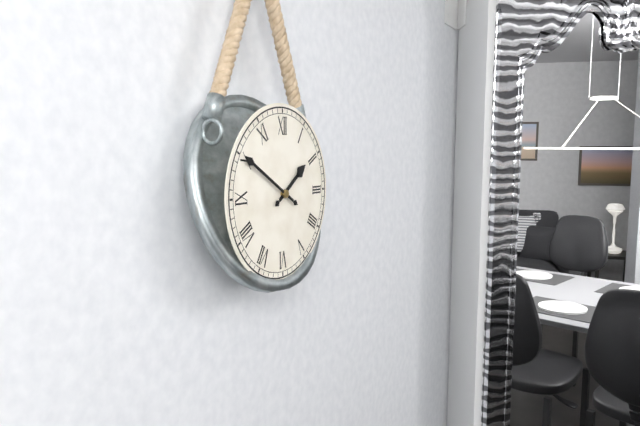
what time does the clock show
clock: 1:50
